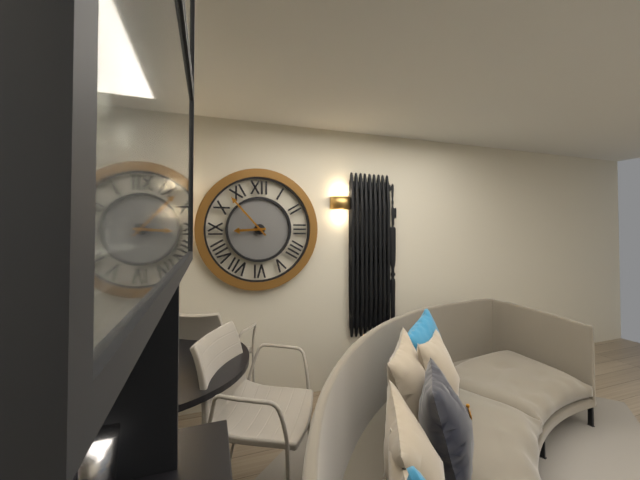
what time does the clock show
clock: 8:53
